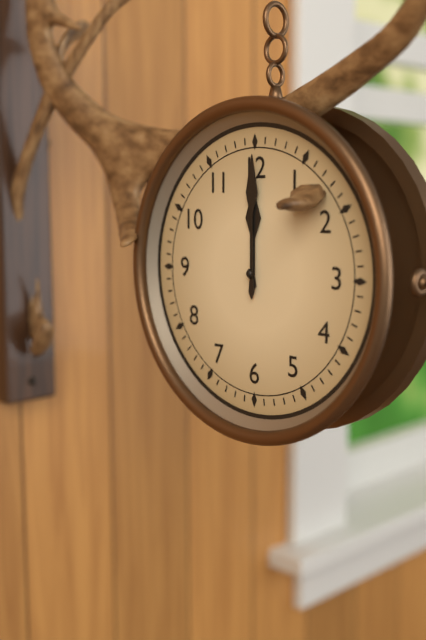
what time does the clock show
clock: 12:00
